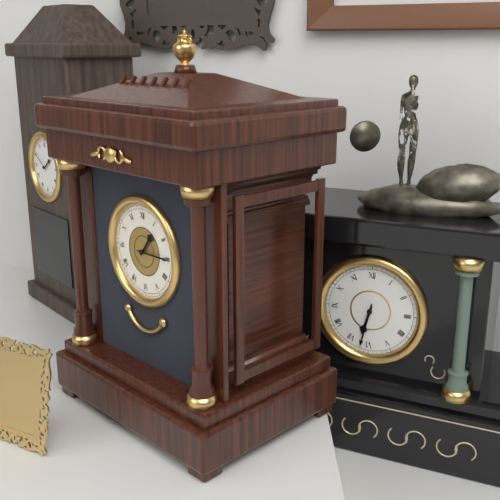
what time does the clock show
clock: 1:15
